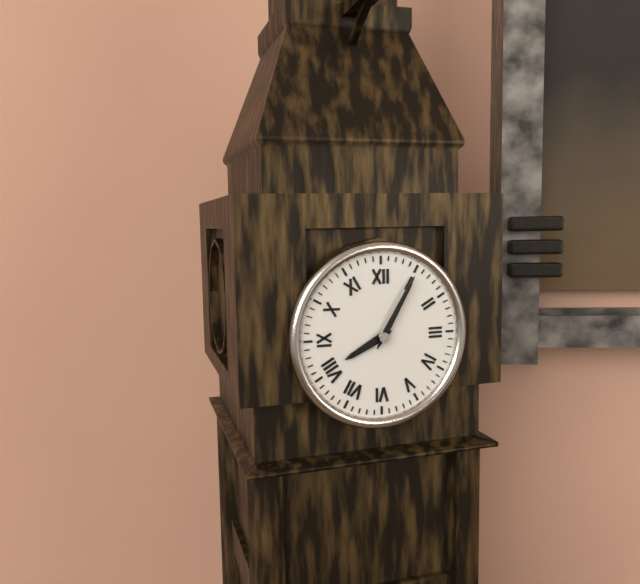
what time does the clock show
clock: 8:05
